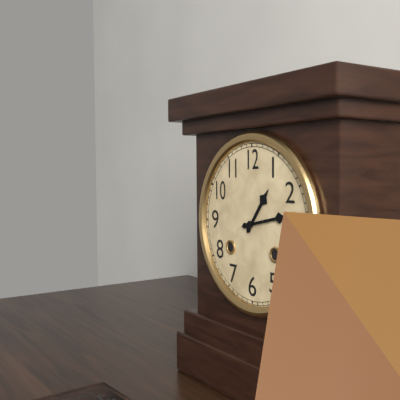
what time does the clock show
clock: 1:13
